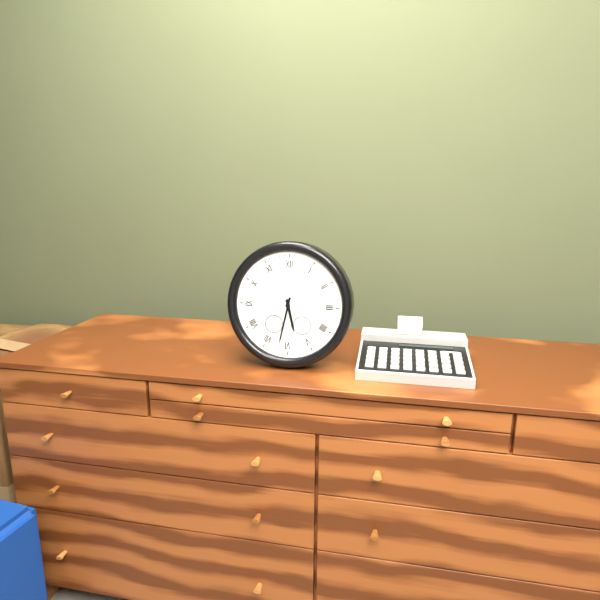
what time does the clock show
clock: 5:32
